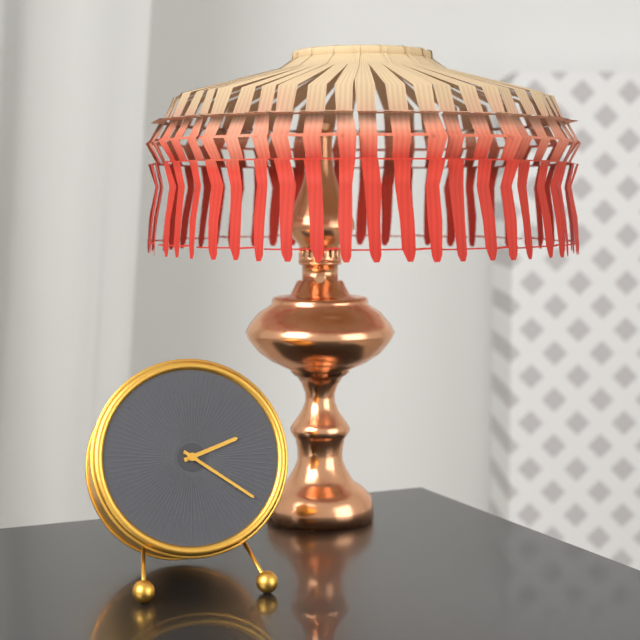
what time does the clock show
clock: 2:21
